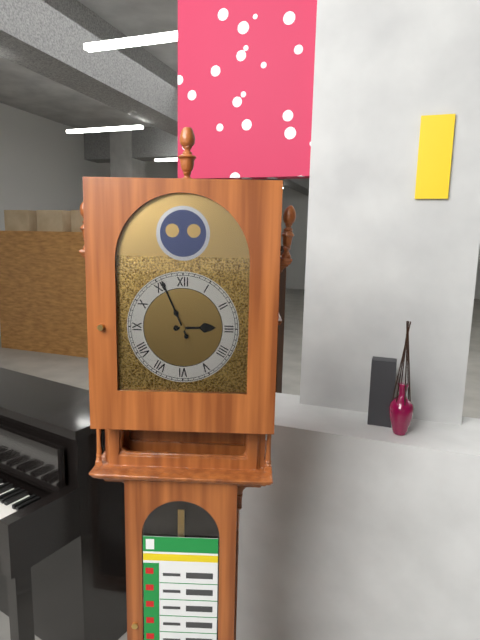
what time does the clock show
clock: 2:56
